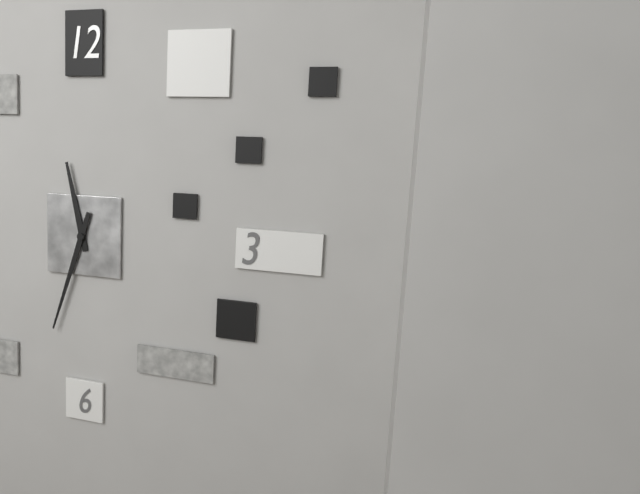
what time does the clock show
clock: 11:33
